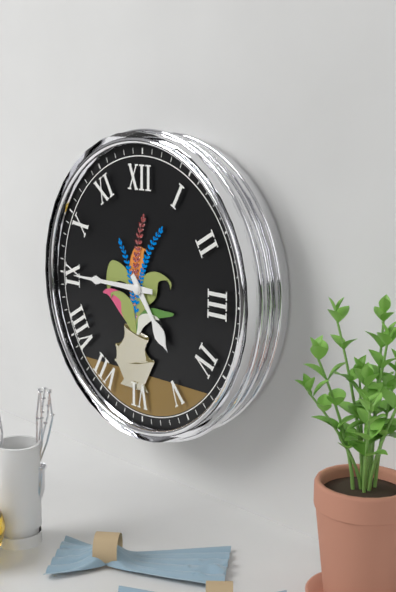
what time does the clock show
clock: 4:45
